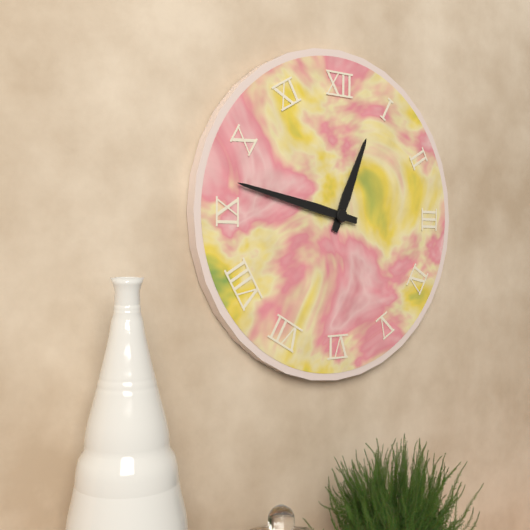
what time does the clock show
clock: 12:47
